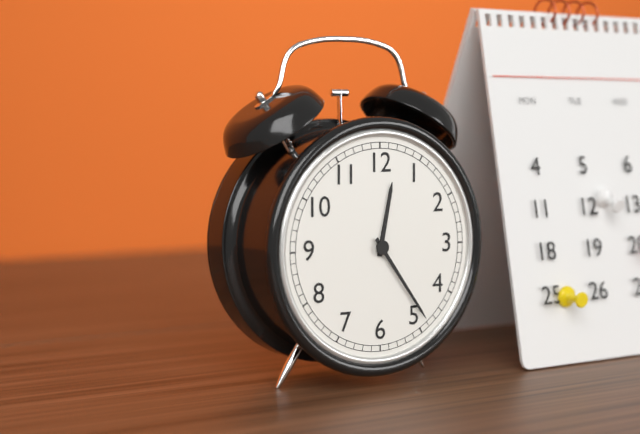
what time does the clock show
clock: 12:24
